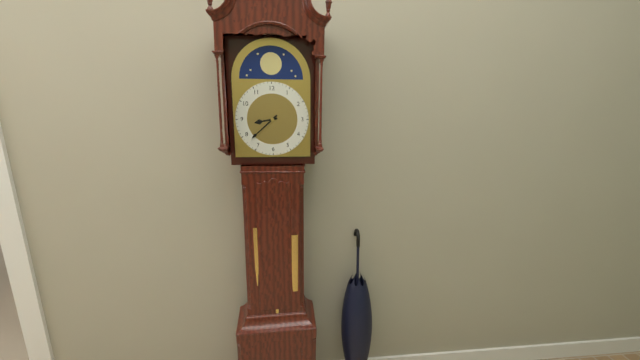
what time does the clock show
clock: 8:38
